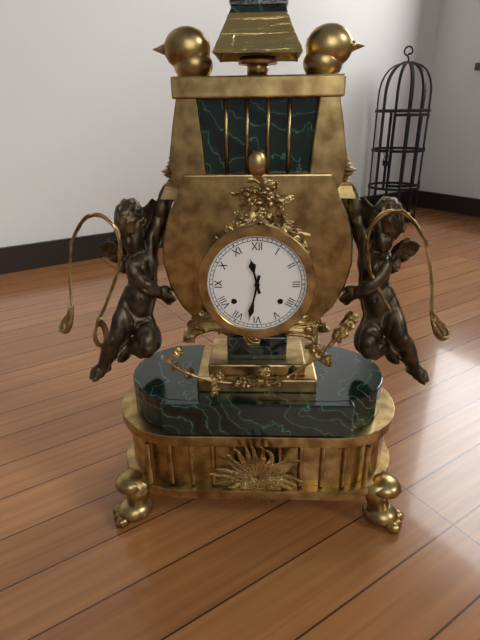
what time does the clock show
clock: 11:32
